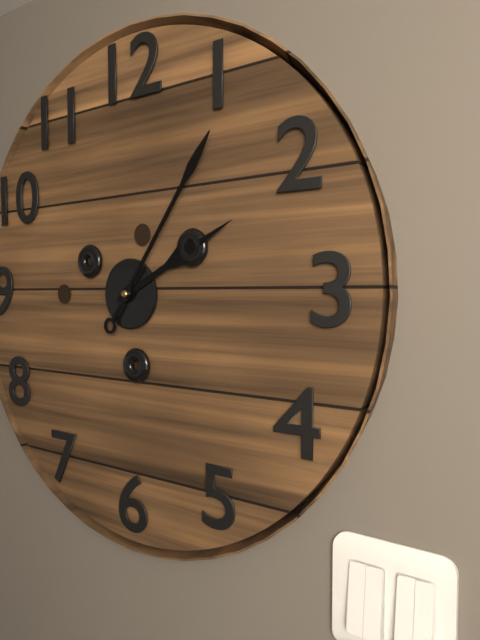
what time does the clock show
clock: 2:06
